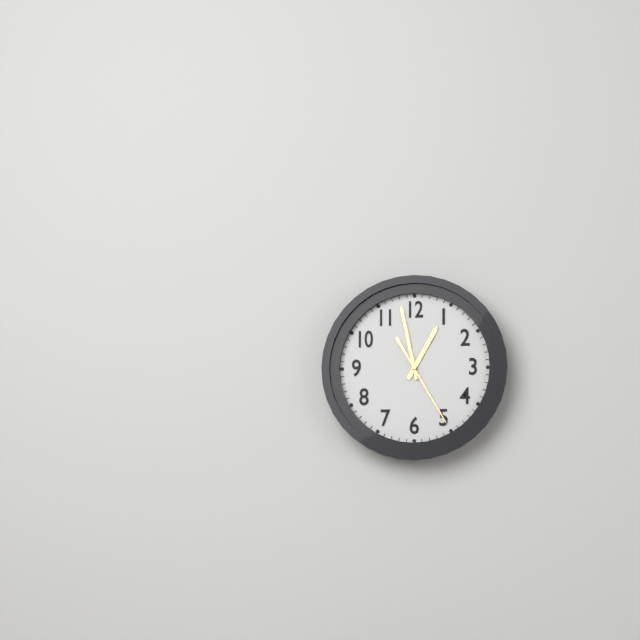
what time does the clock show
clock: 12:58:25
